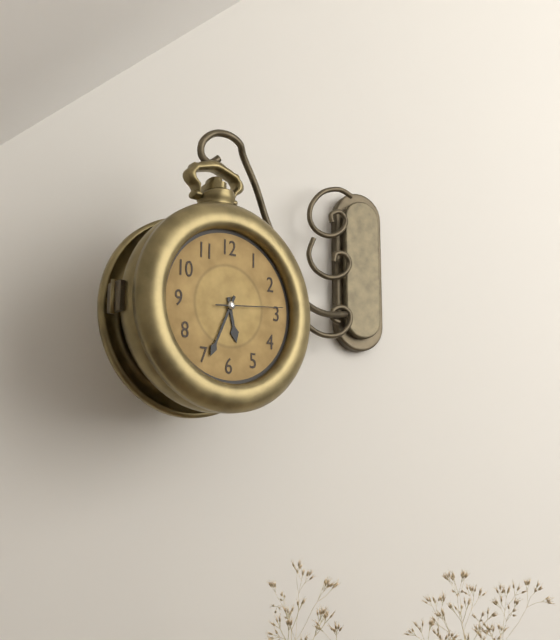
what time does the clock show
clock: 5:34:14
